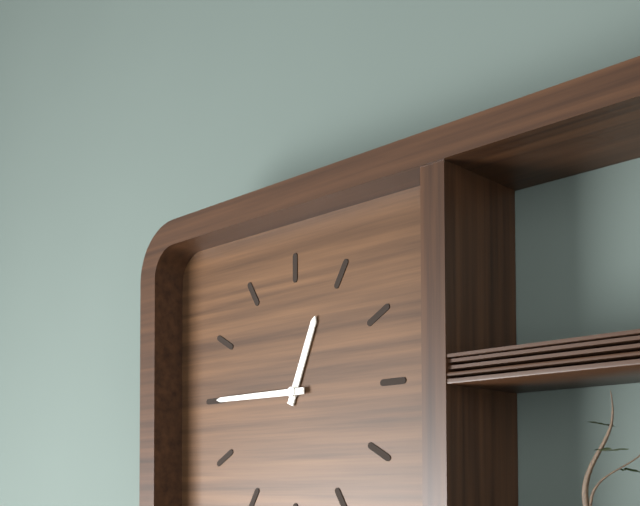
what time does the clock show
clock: 12:45
